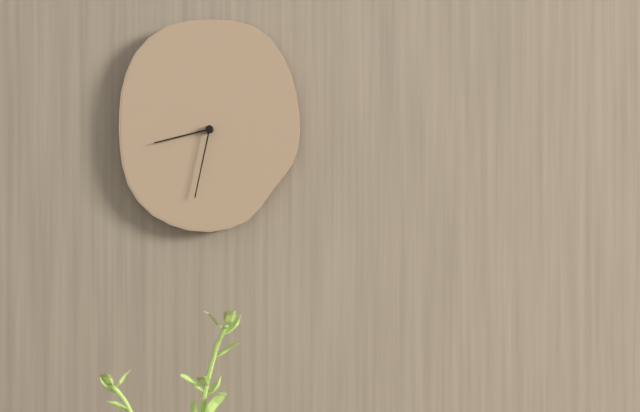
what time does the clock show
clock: 8:32
